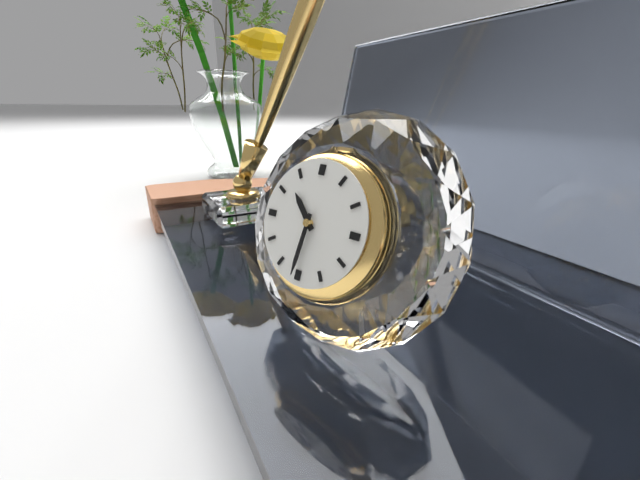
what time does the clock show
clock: 10:31
